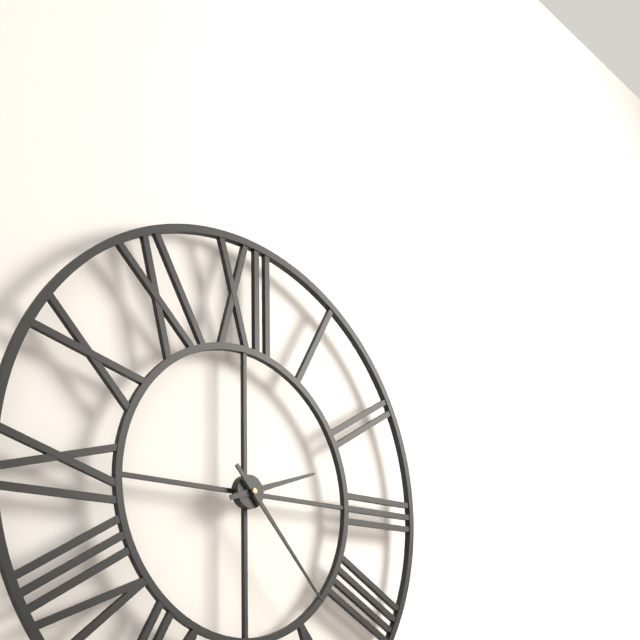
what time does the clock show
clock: 2:23
